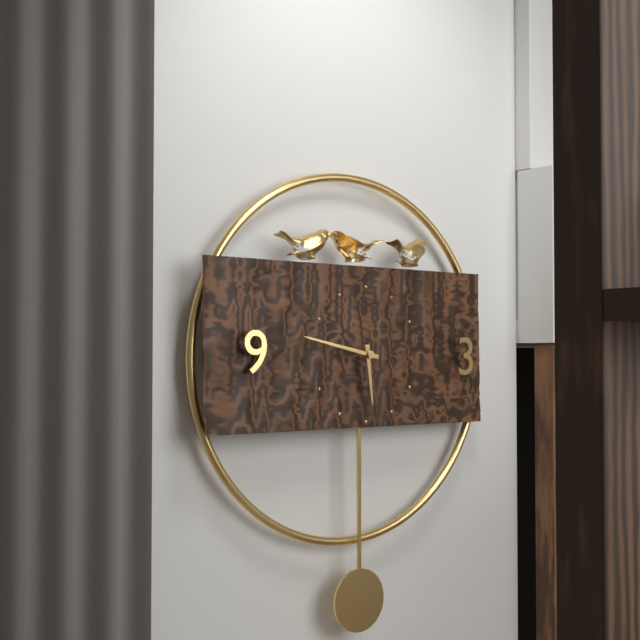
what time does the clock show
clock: 5:47
